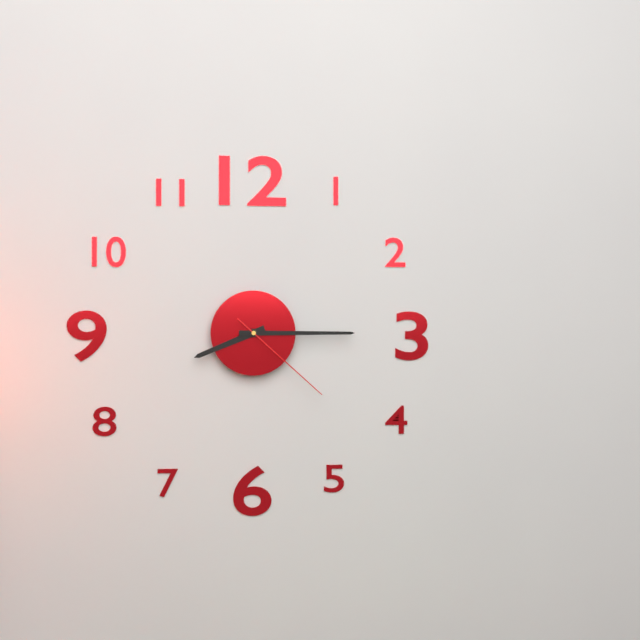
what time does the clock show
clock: 8:15:22
